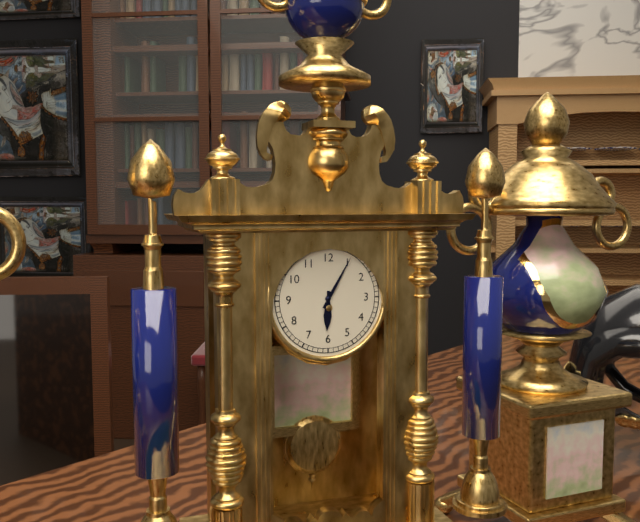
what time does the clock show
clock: 6:05
